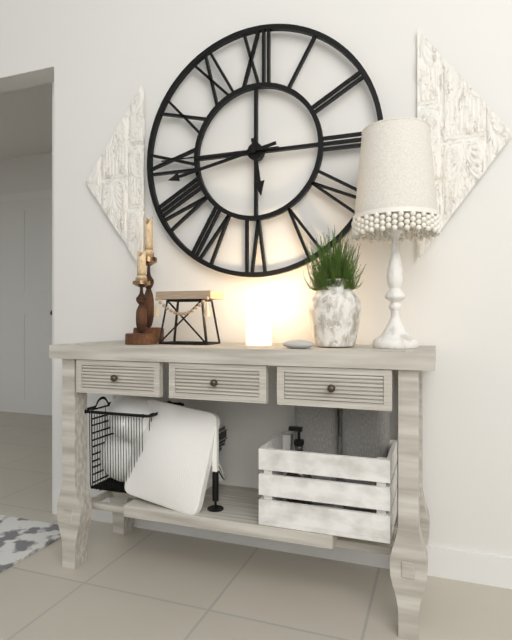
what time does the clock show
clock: 5:43:45
